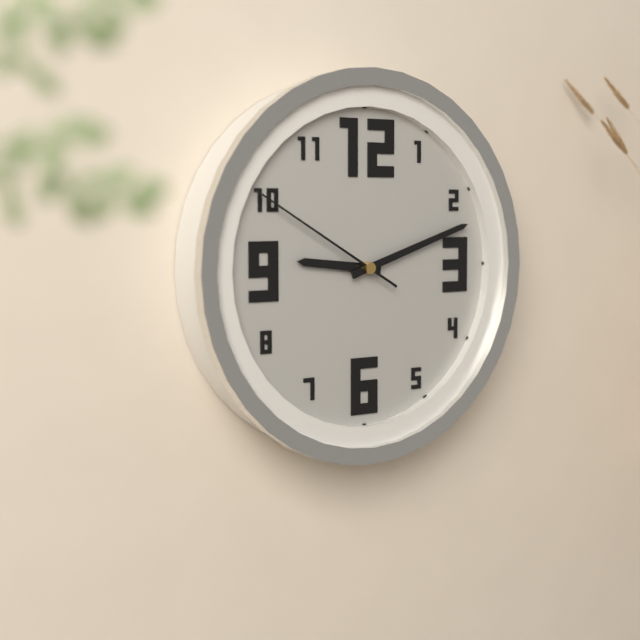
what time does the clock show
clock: 9:12:50
